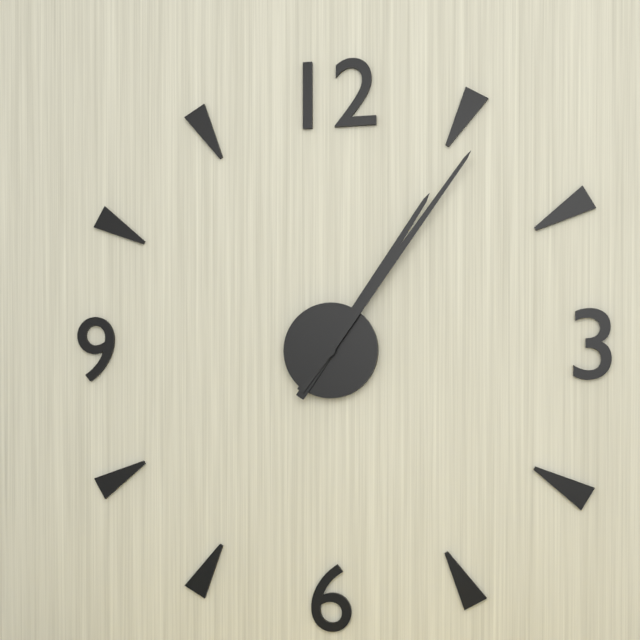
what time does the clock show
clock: 1:06
